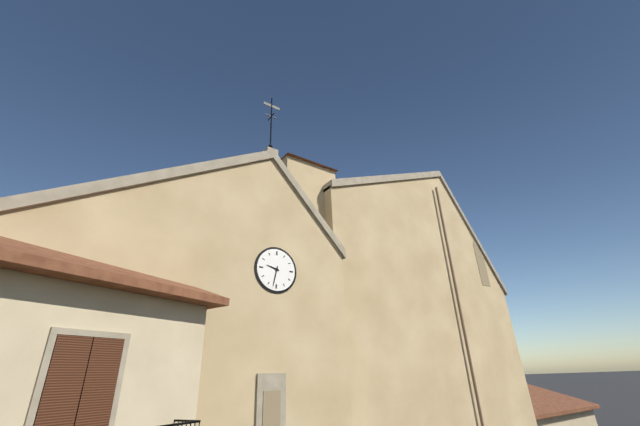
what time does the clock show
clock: 9:32
